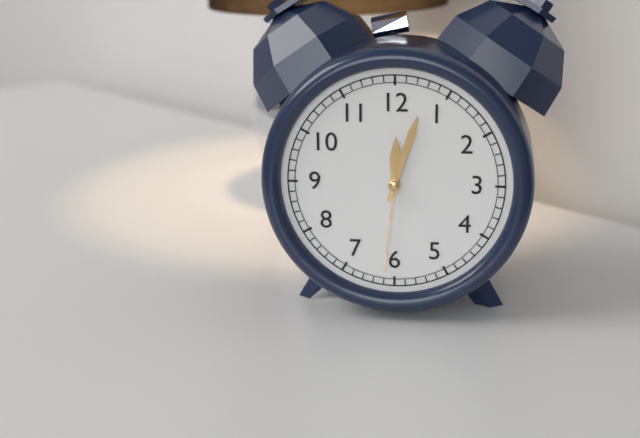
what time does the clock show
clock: 12:03:31
